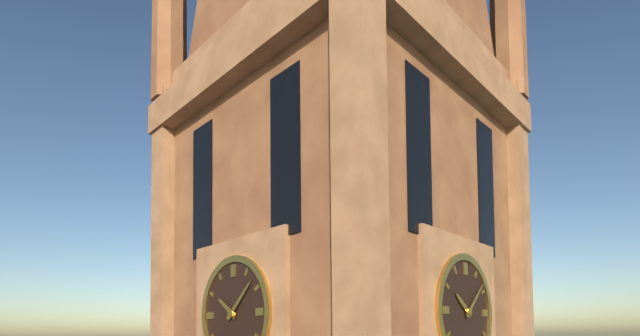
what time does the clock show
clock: 10:08
